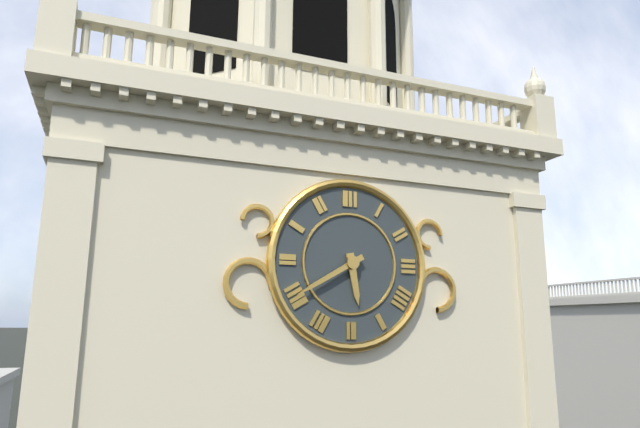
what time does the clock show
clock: 5:40
